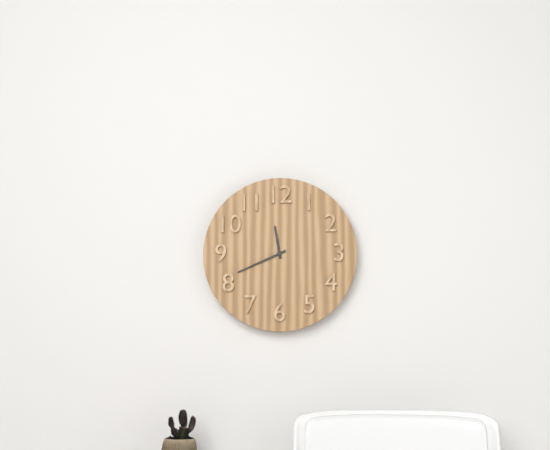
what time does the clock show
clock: 11:41
